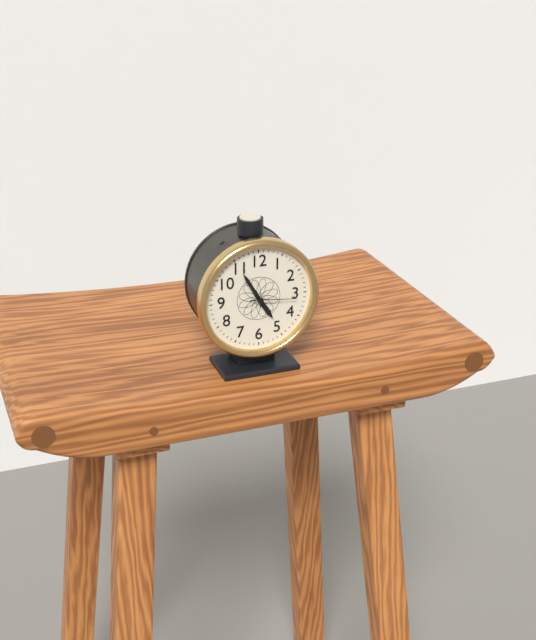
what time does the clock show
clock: 4:55
